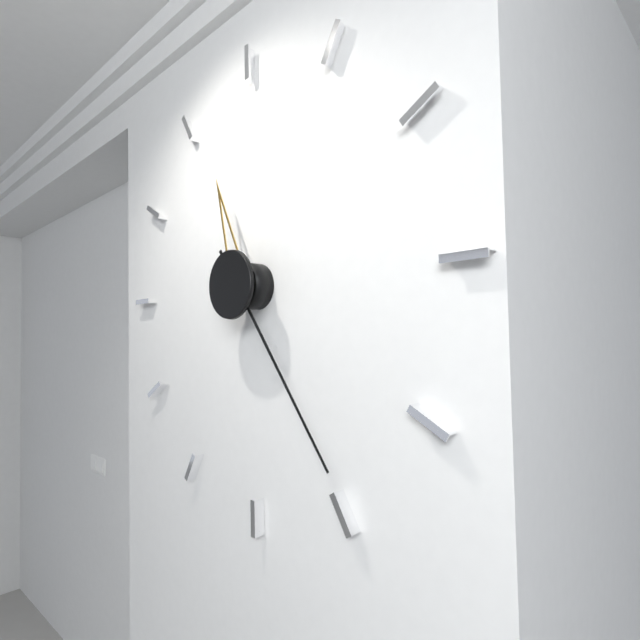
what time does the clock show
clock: 11:24
